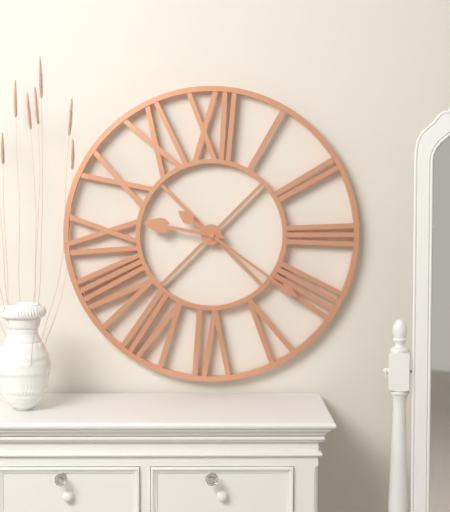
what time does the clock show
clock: 9:21
